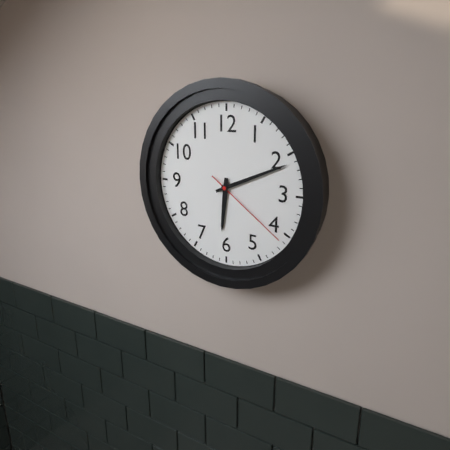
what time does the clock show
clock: 6:11:21
